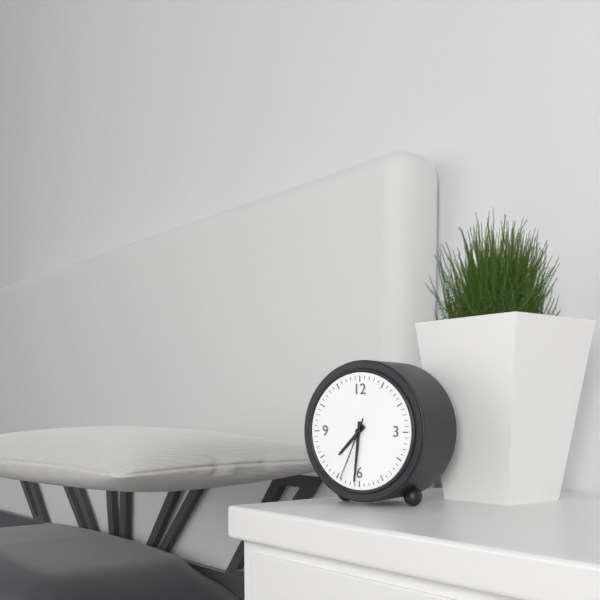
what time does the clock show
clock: 7:31:34
